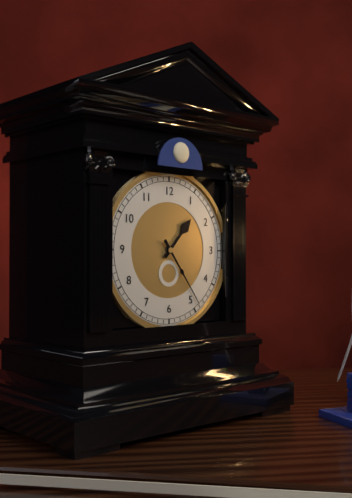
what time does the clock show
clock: 1:24
